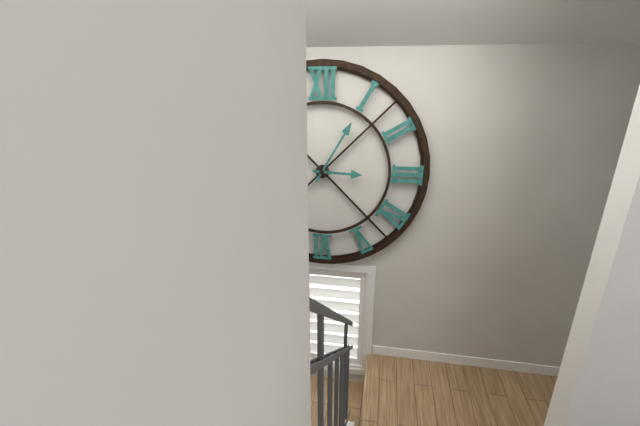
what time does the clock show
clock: 3:05
